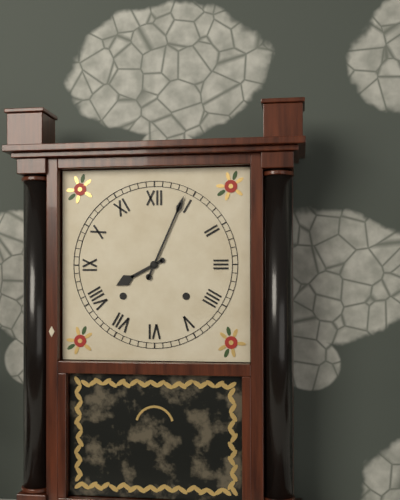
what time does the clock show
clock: 8:04
